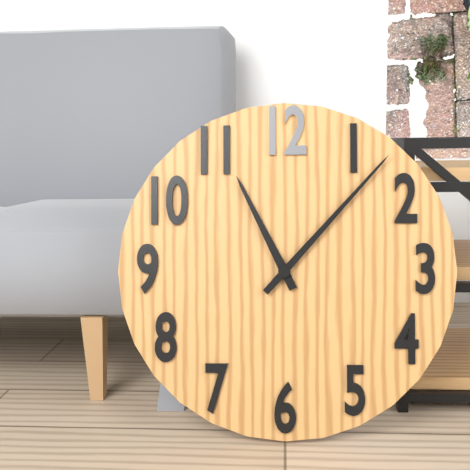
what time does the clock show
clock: 11:07
